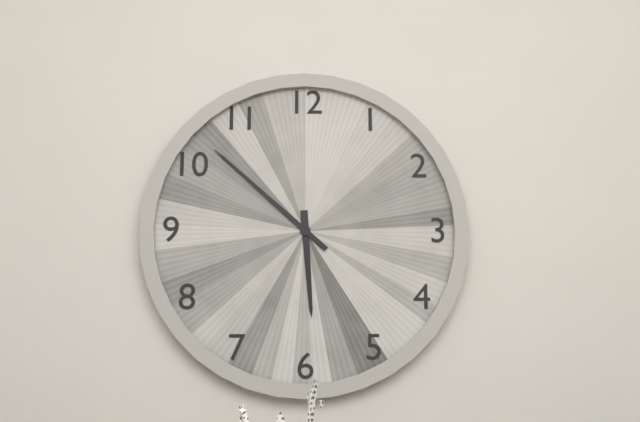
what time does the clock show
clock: 5:52
